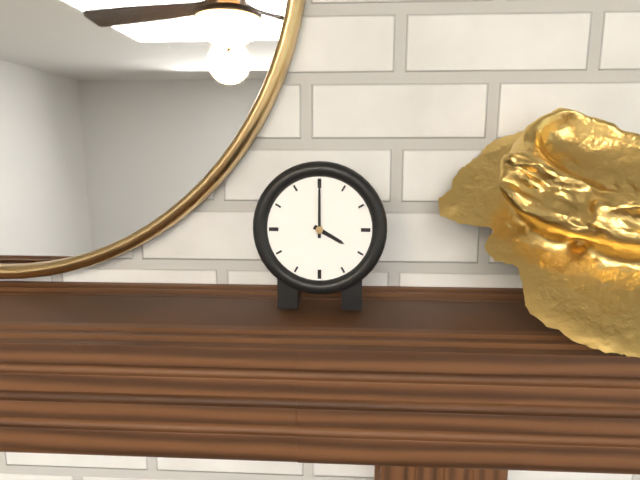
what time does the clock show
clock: 4:00
